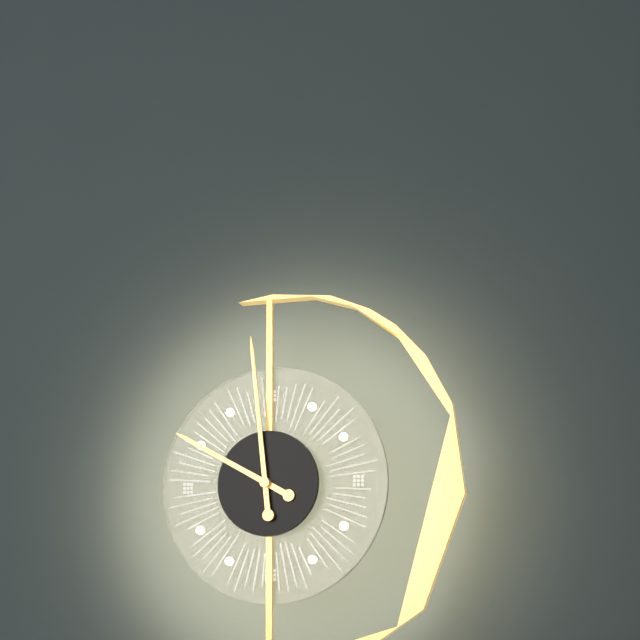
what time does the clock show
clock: 9:59
